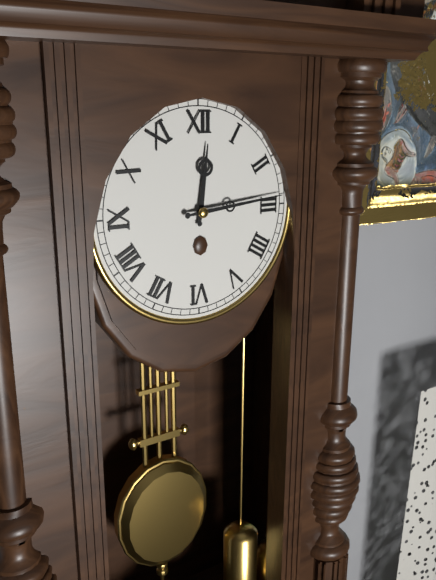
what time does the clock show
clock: 12:14
